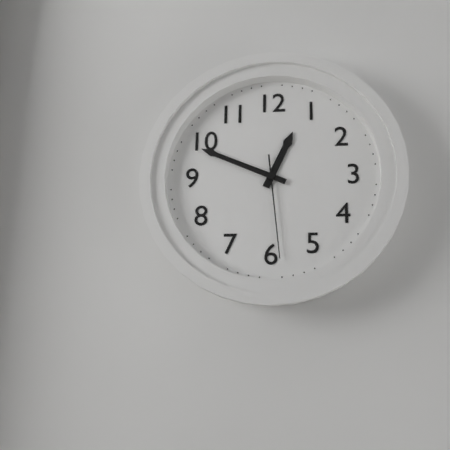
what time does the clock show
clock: 12:49:29
